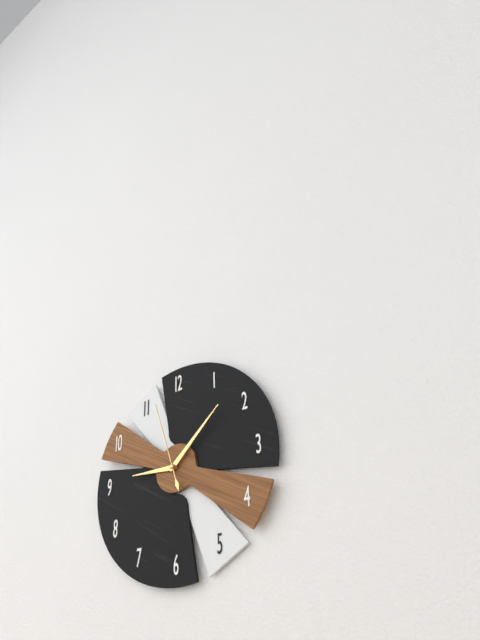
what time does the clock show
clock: 9:08:57
